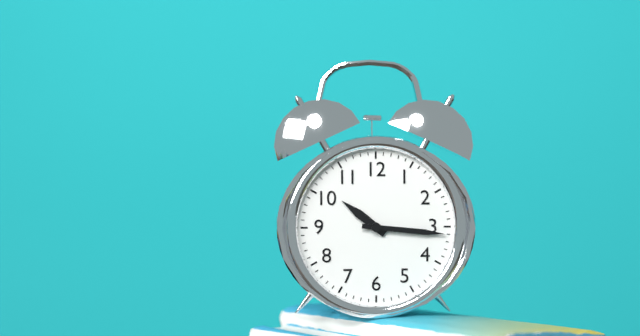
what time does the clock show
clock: 10:16
